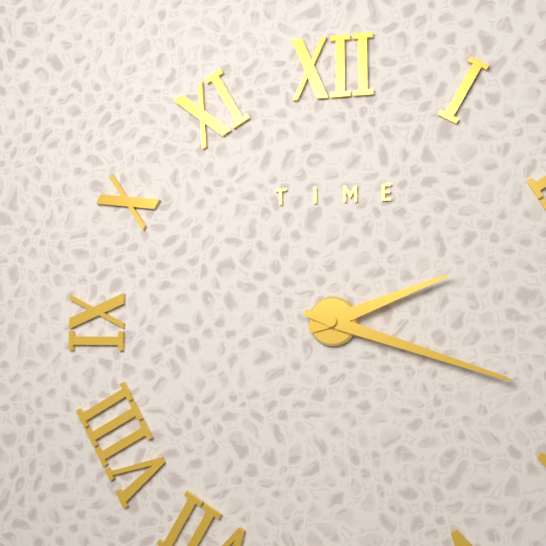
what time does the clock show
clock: 2:18
